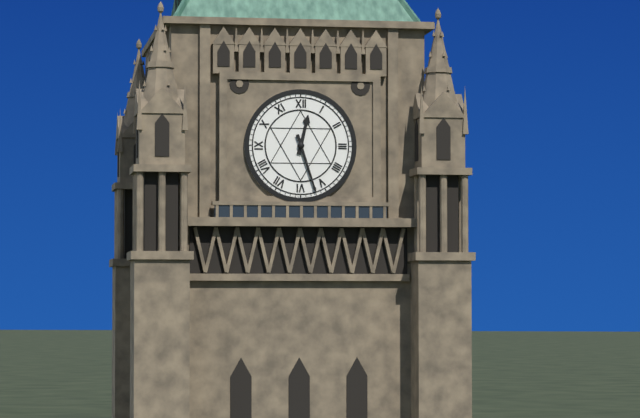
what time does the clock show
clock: 12:27
